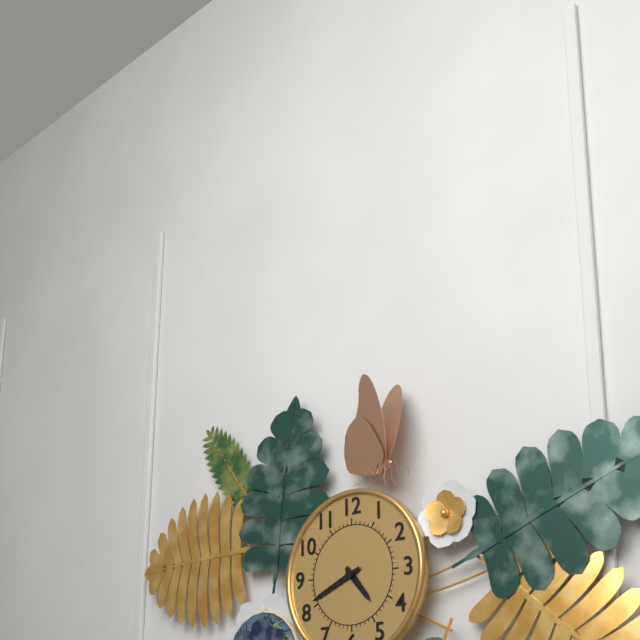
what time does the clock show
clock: 4:41
